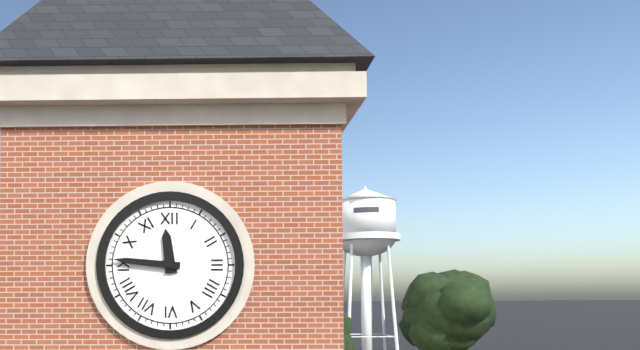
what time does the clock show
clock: 11:46
